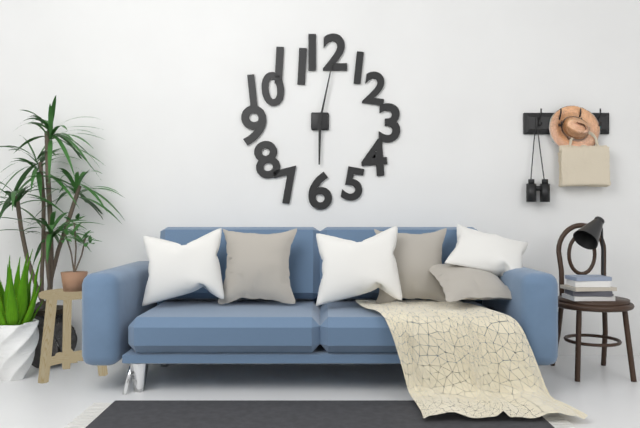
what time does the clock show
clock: 6:02
